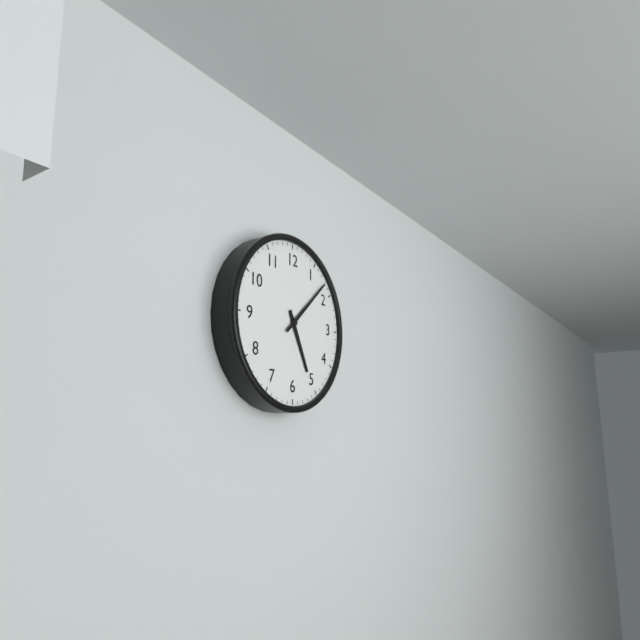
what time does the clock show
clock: 5:08
